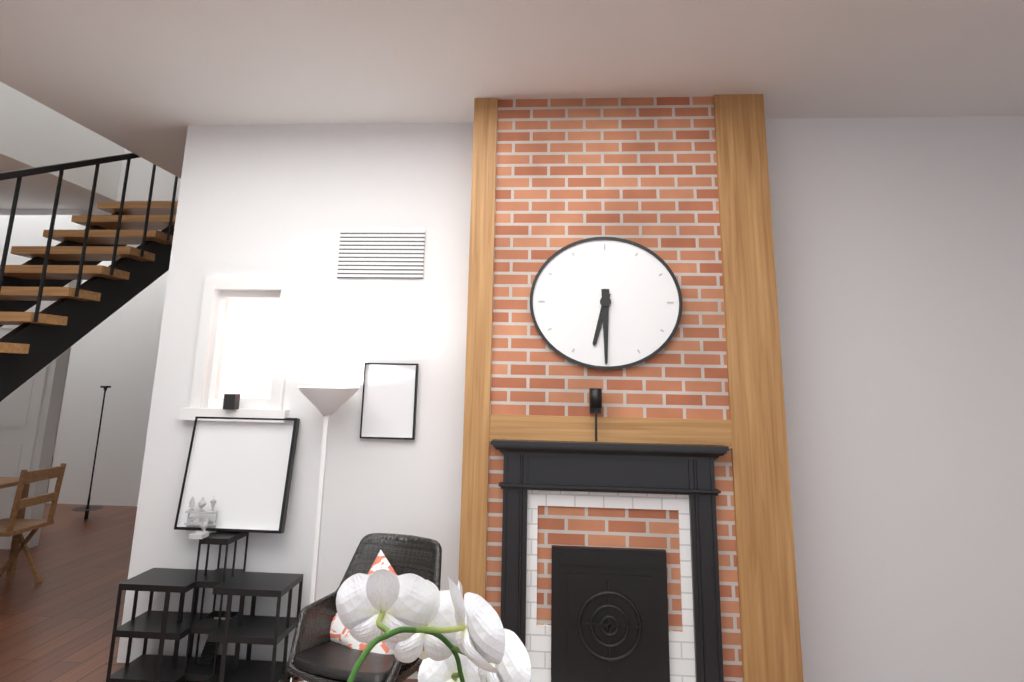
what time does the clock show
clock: 6:30
